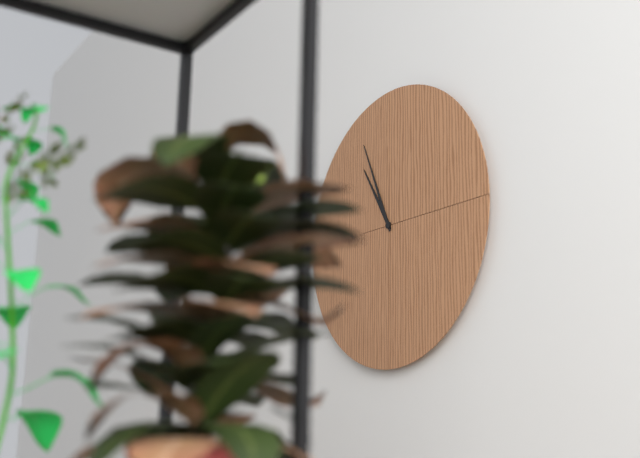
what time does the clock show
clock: 10:56
